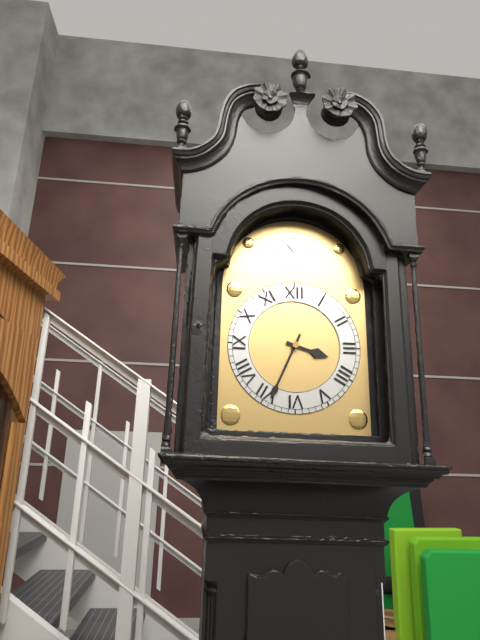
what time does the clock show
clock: 3:34
